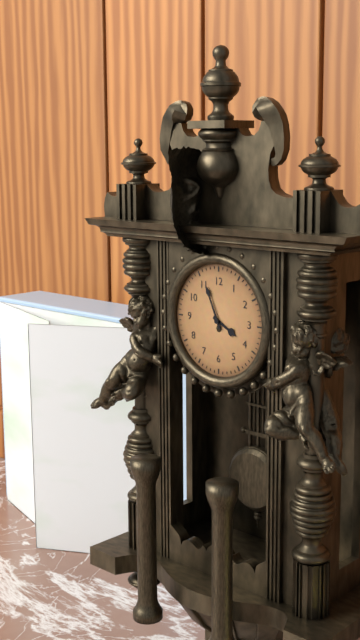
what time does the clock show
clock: 3:56
